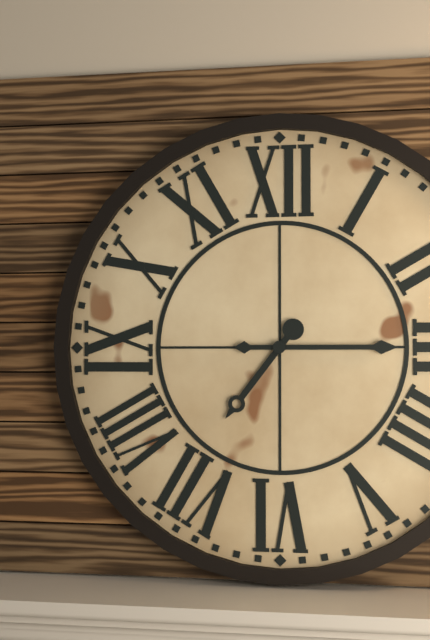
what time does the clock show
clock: 7:15
